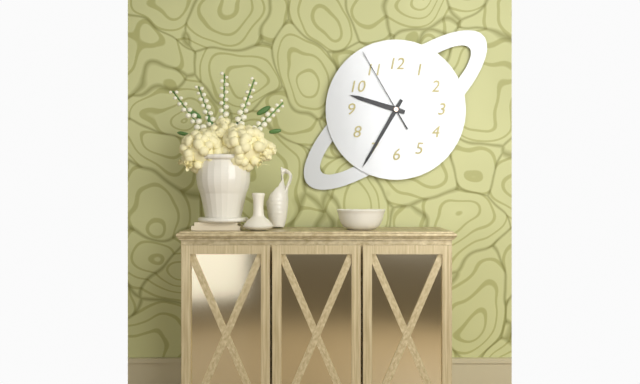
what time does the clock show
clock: 9:35:55
